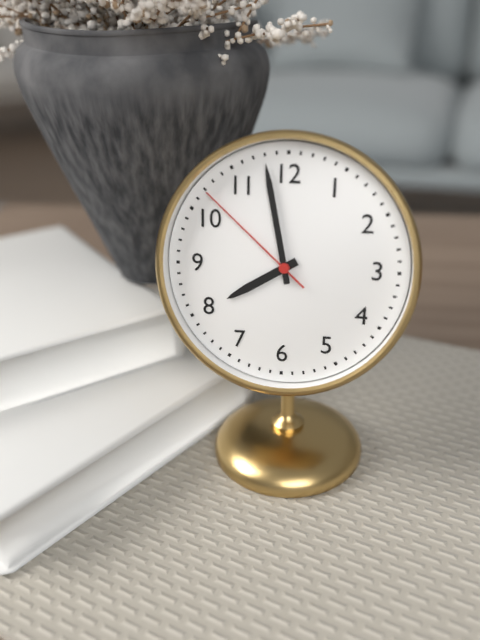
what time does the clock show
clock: 7:58:52
